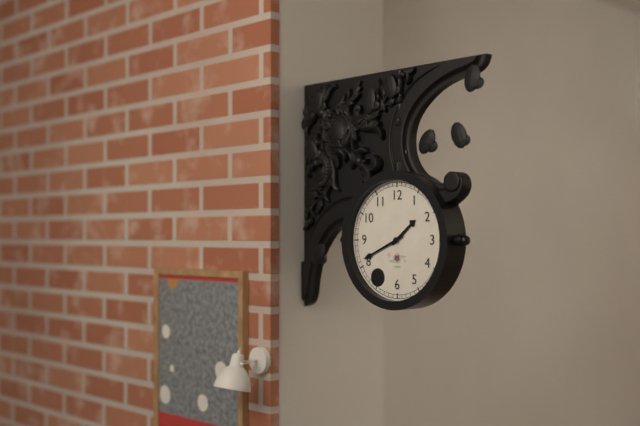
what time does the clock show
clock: 1:41
